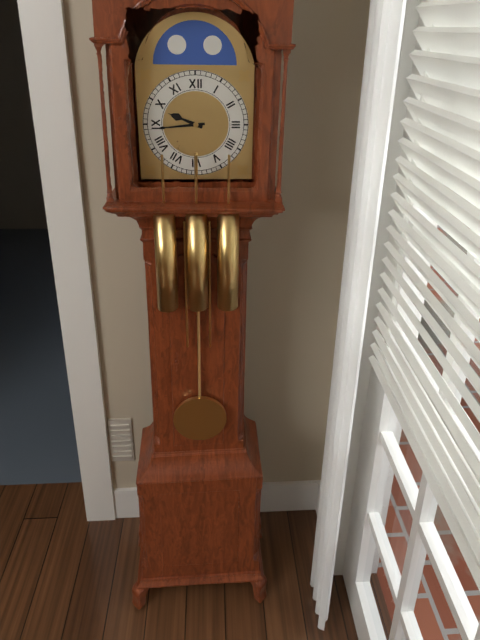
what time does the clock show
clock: 9:44
